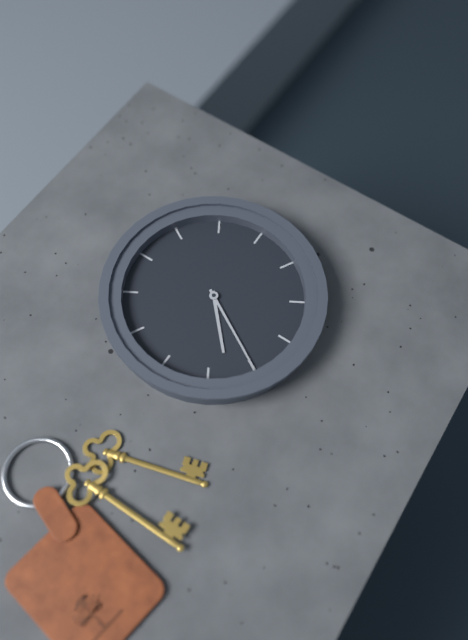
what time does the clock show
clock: 7:35
